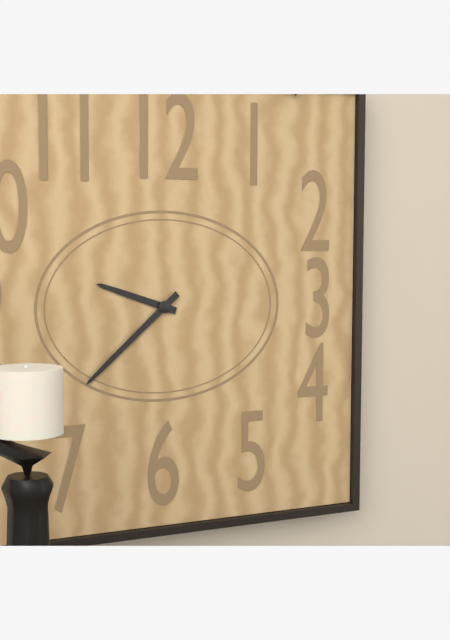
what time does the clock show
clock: 9:38
